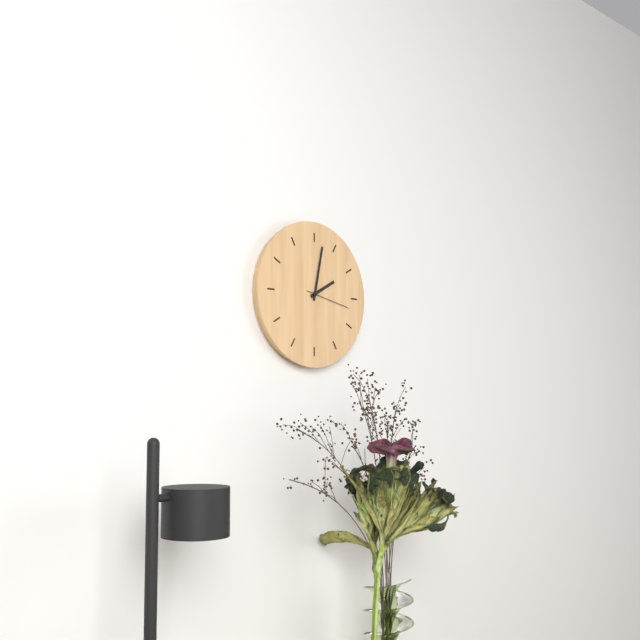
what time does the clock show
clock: 2:02
